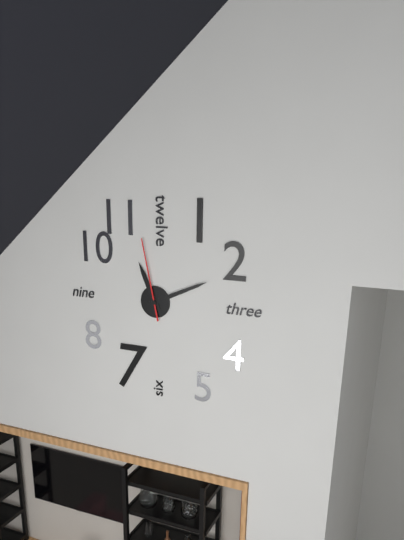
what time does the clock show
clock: 11:11:58
